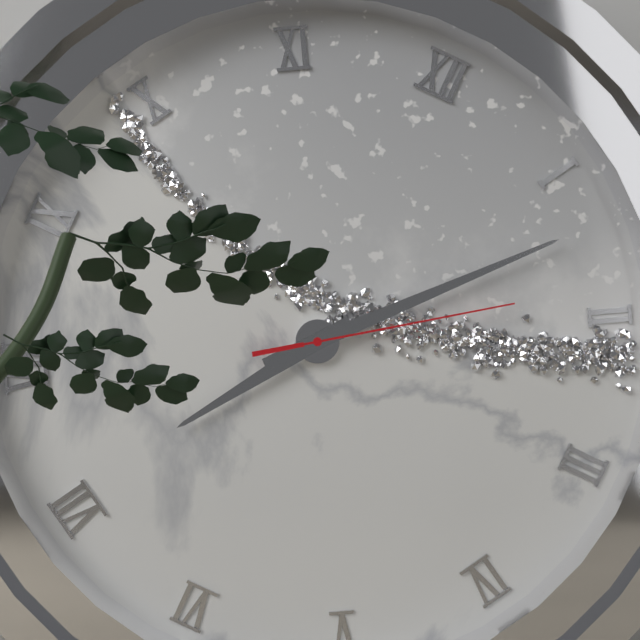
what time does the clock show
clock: 7:07:09
